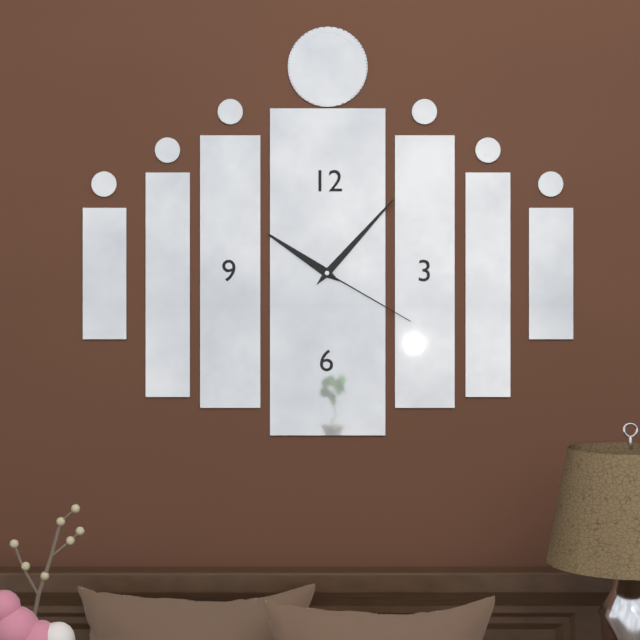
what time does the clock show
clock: 10:07:20
